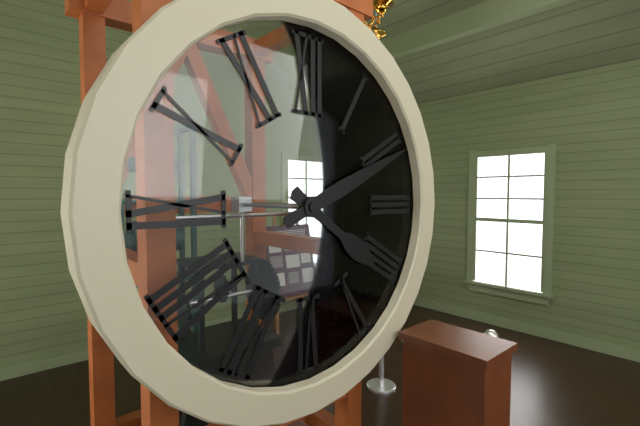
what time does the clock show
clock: 4:11
